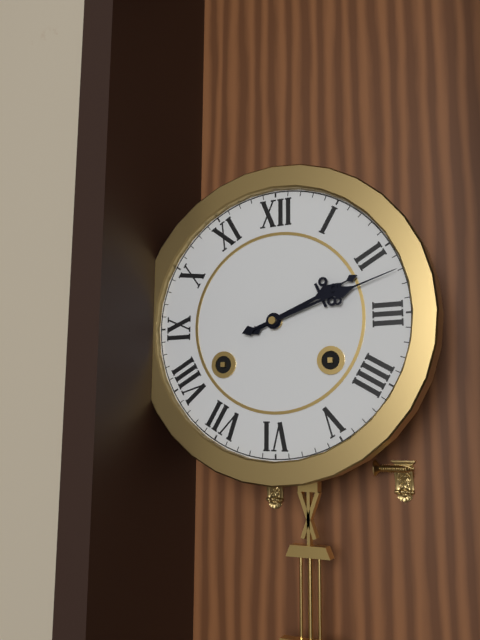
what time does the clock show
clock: 2:12
